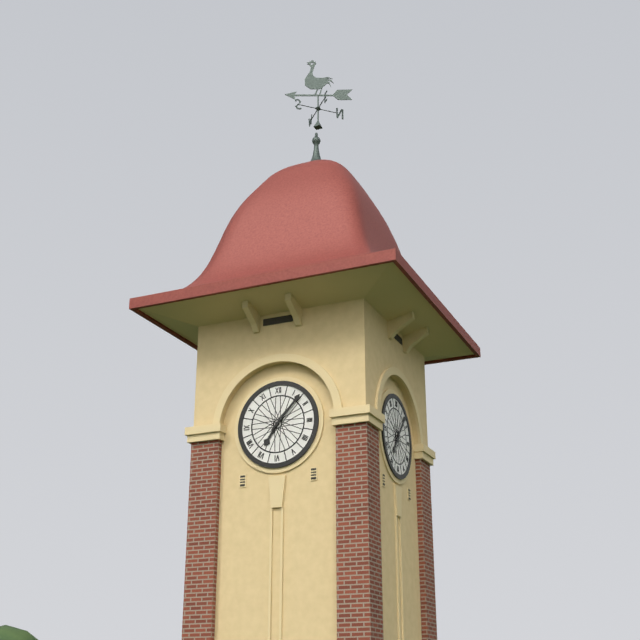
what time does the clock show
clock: 7:07
